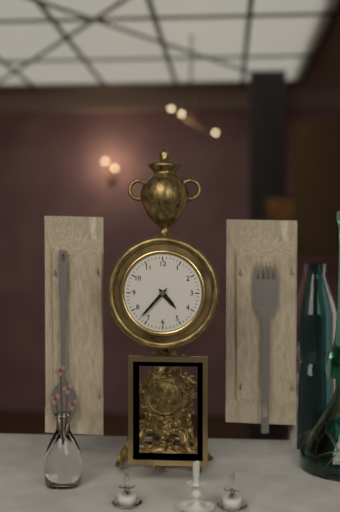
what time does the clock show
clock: 4:37
